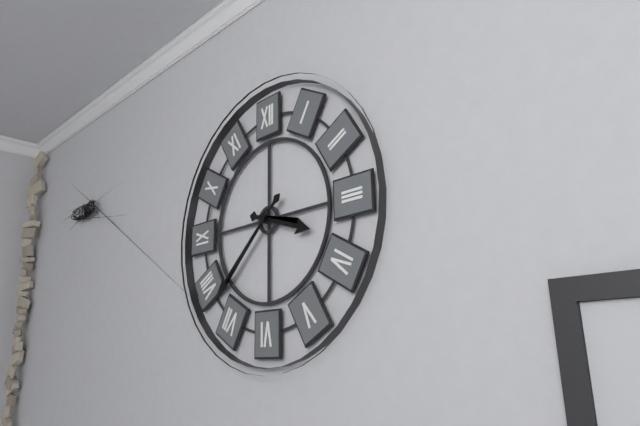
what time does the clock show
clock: 3:38
